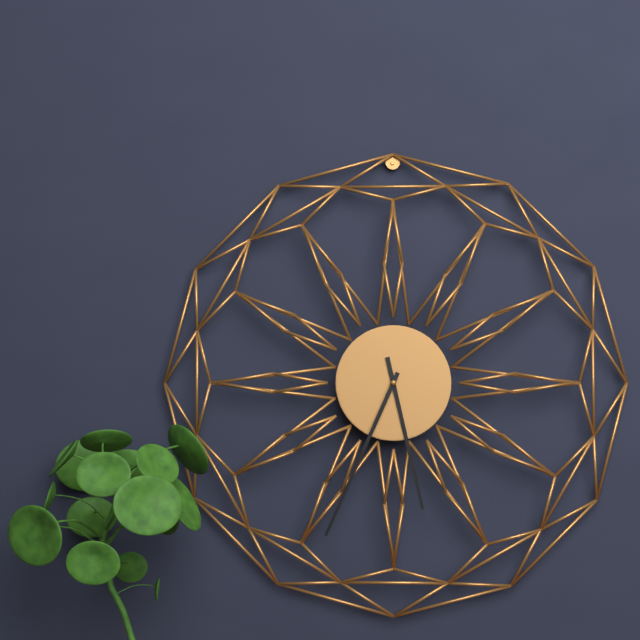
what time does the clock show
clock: 5:34
